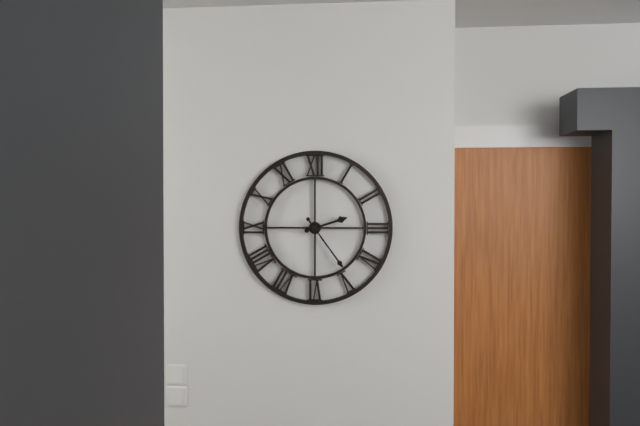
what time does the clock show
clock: 2:24
